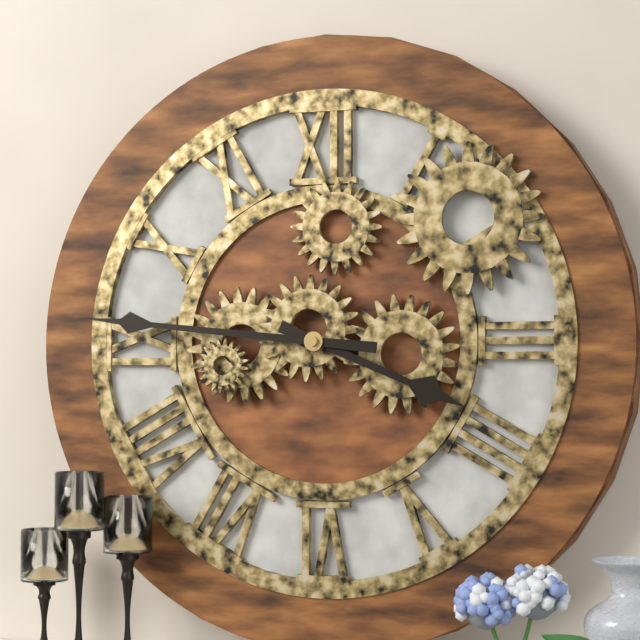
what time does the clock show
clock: 3:46
